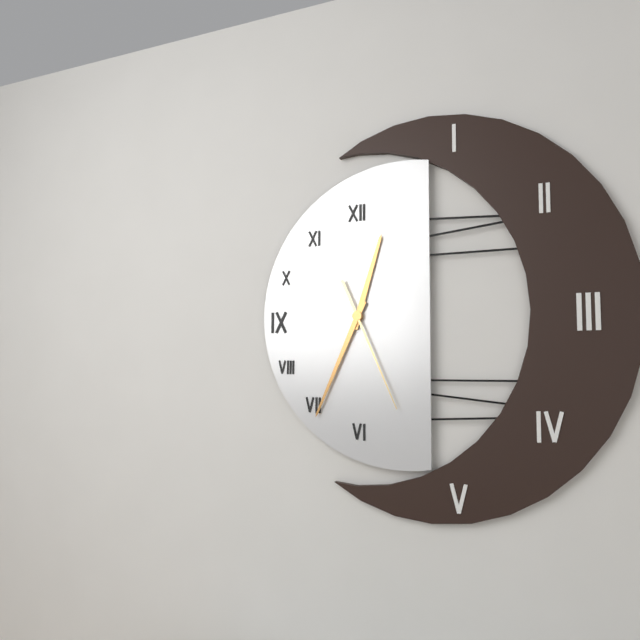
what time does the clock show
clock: 12:34:26
